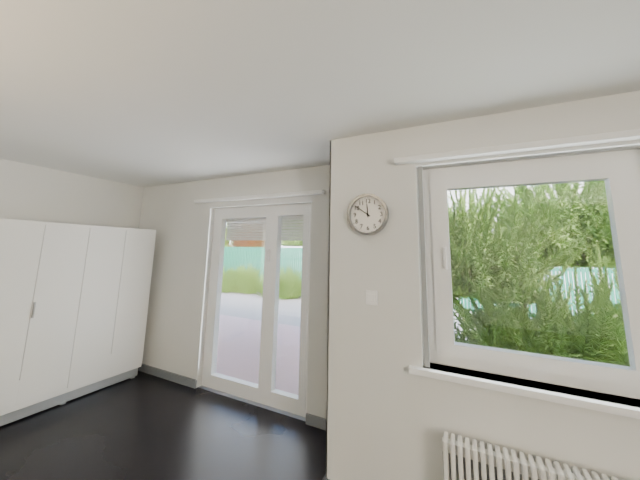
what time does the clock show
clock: 11:51
